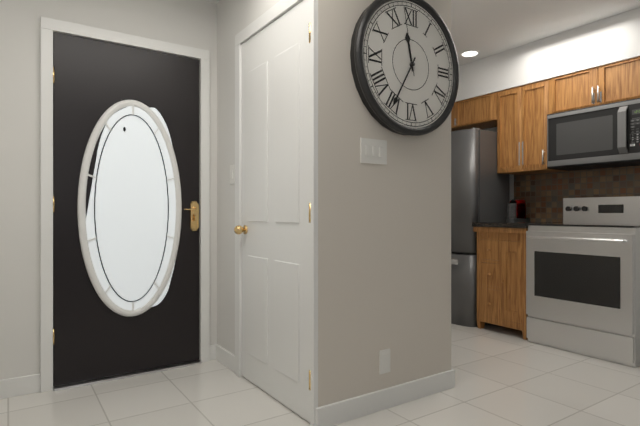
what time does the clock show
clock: 11:35:58
